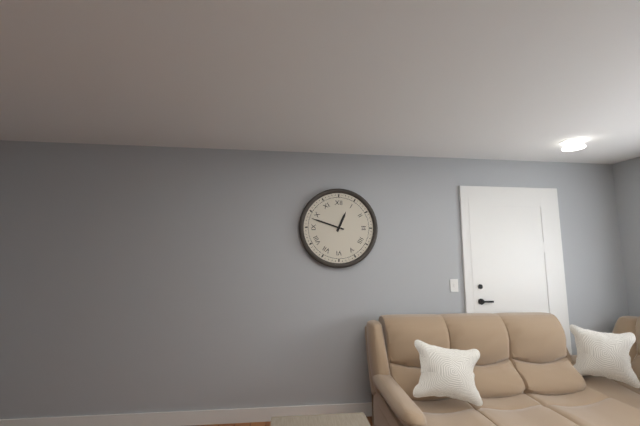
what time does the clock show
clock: 12:48
